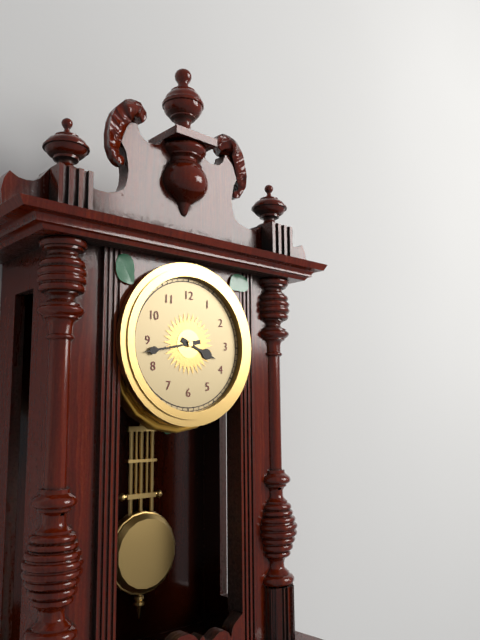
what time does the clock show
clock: 3:43
